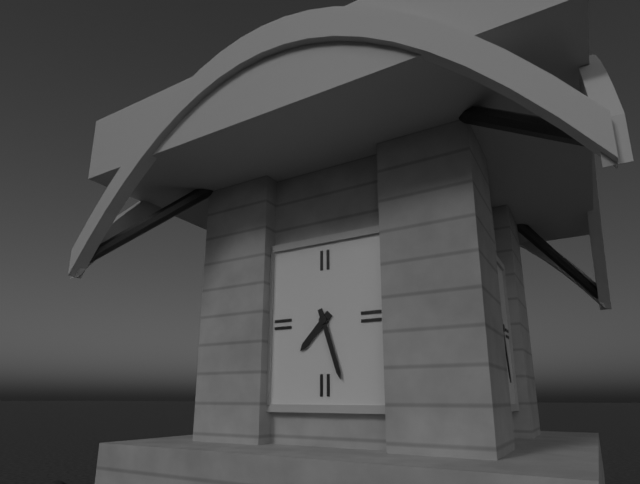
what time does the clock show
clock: 7:27
